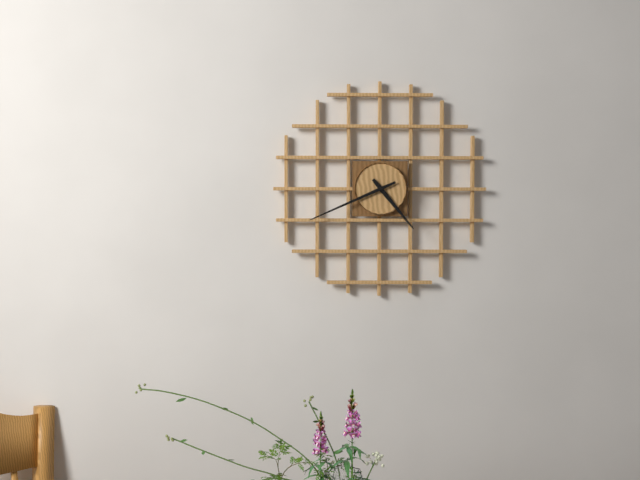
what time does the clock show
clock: 4:41
